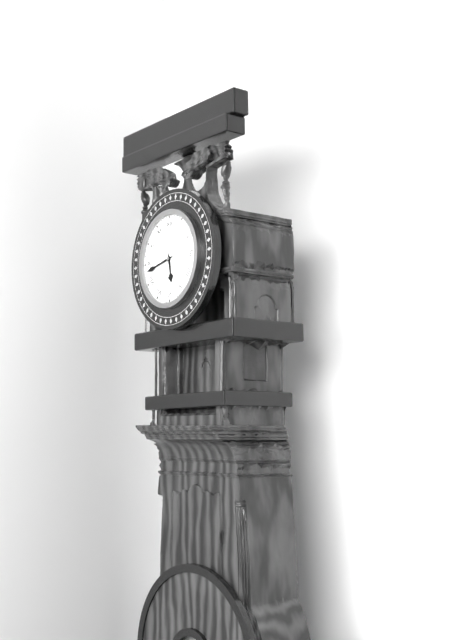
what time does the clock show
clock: 5:43
